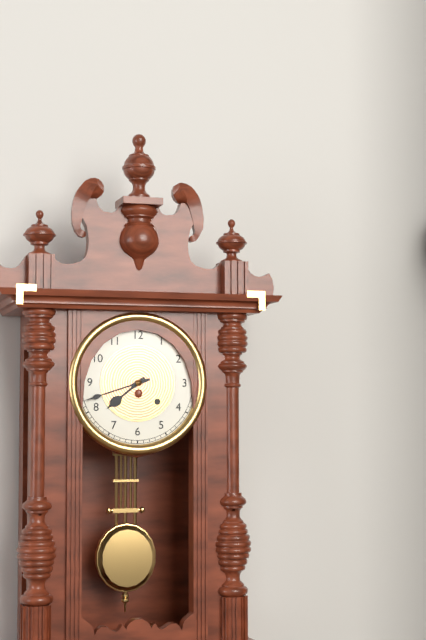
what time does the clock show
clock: 7:42
